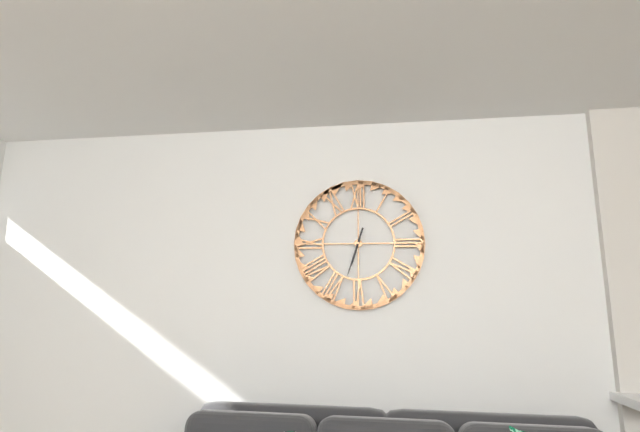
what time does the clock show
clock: 6:33
